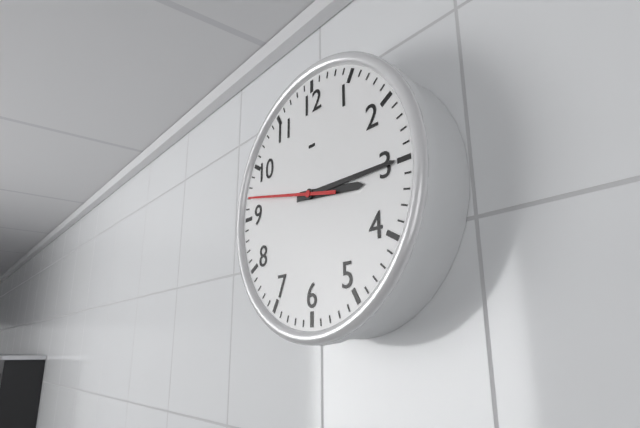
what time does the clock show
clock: 3:15:47
